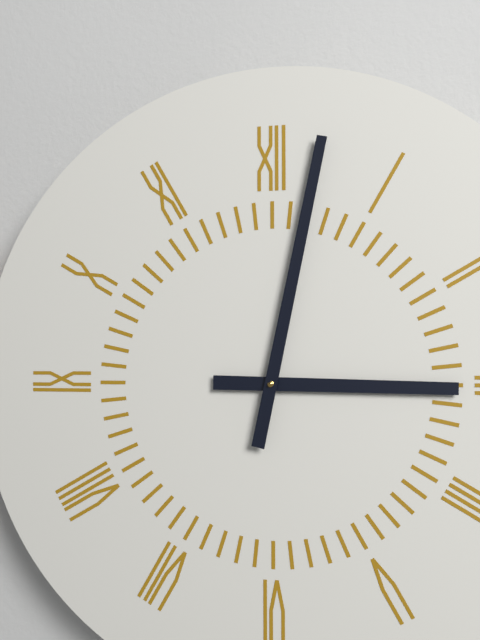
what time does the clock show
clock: 3:02
